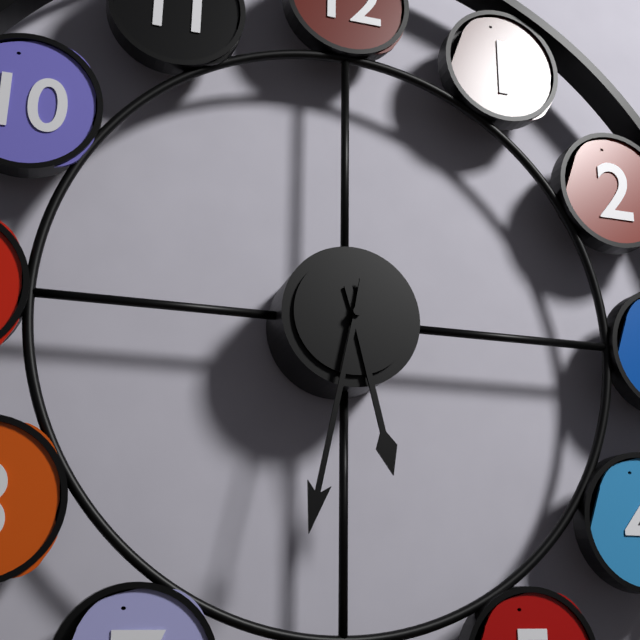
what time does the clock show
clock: 5:32
